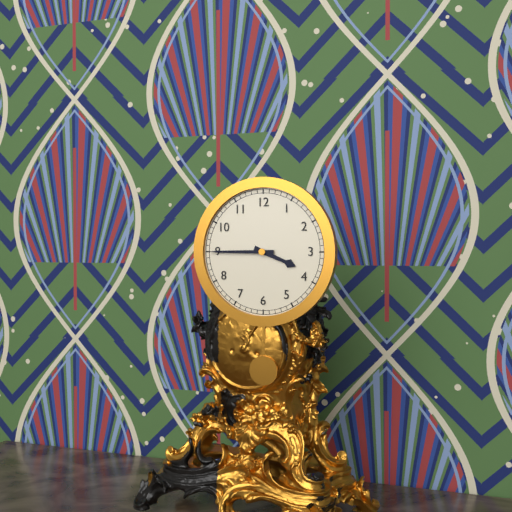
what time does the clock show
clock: 3:45
